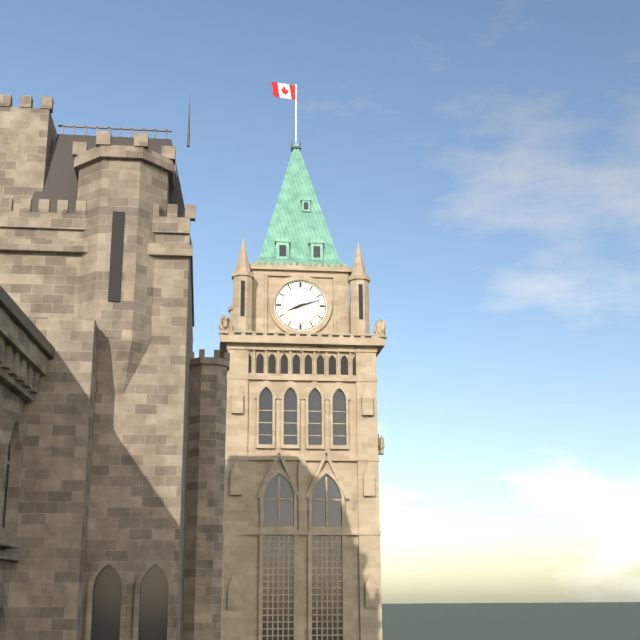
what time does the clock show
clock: 8:12
